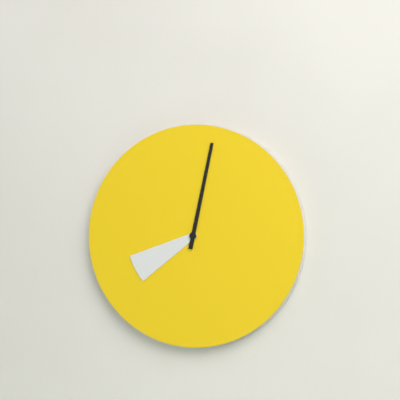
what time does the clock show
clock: 8:02
